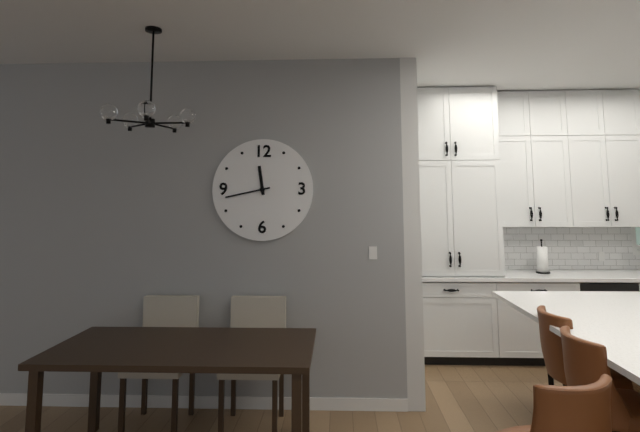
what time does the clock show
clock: 11:43
